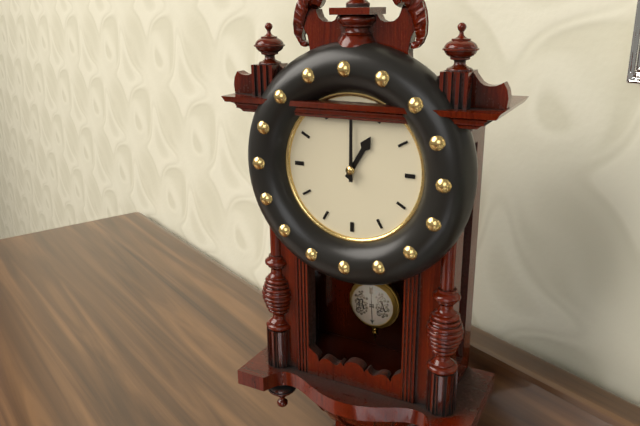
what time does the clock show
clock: 1:00
